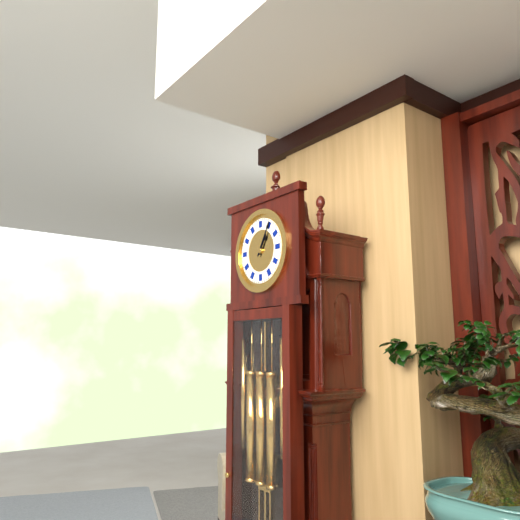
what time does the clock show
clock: 1:05
